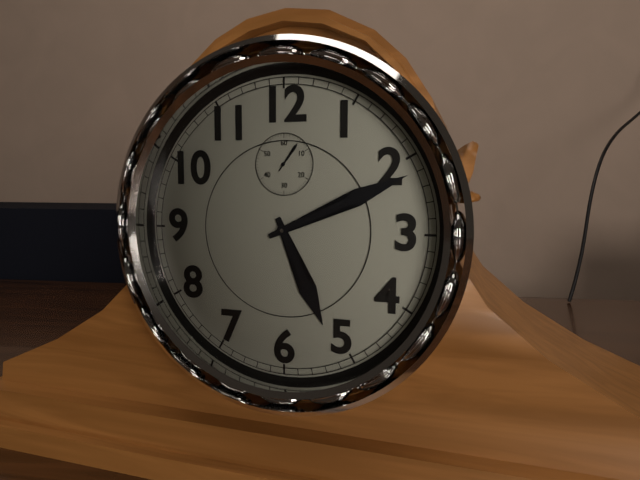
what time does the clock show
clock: 5:11
